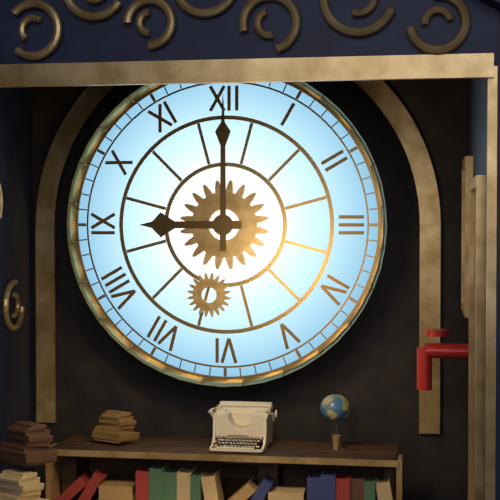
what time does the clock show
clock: 9:00
